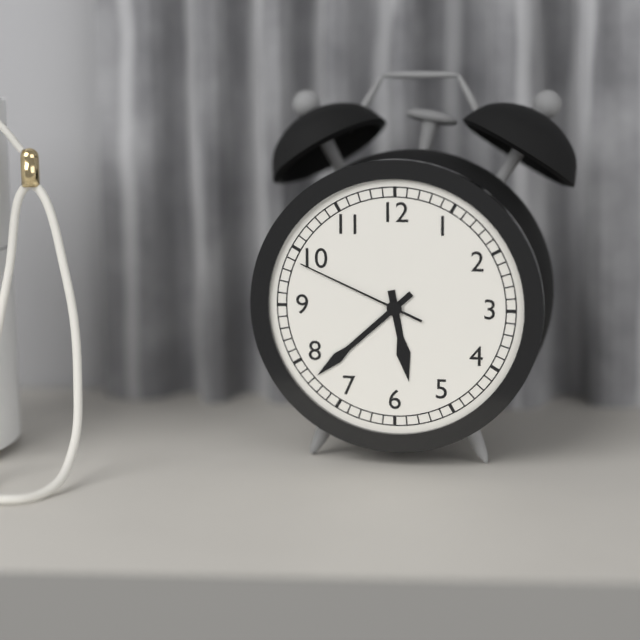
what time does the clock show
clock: 5:38:49
